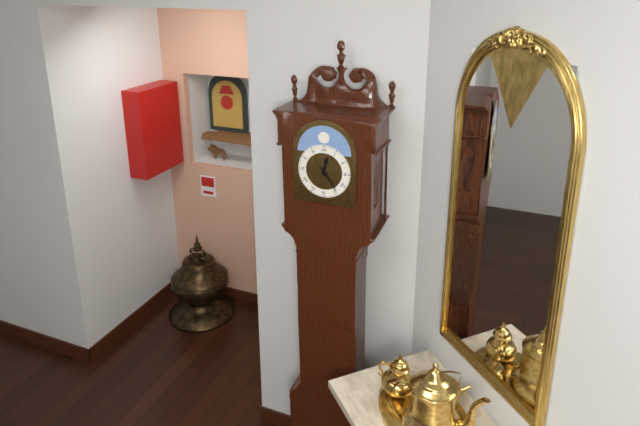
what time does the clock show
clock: 12:24
